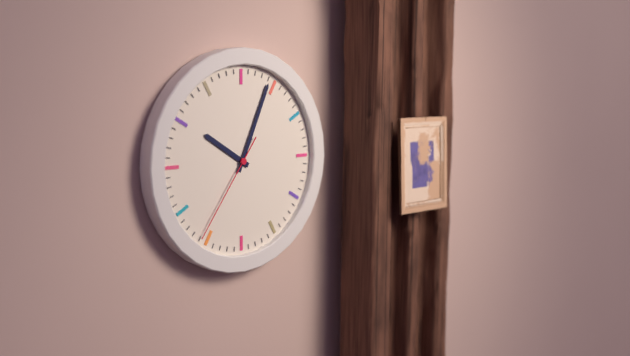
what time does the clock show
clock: 10:04:36
